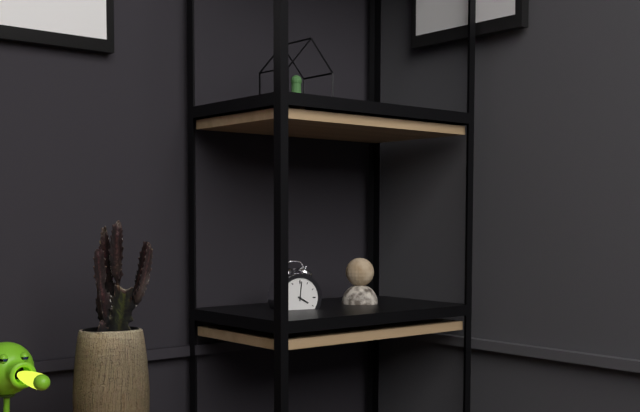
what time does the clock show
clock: 4:01
